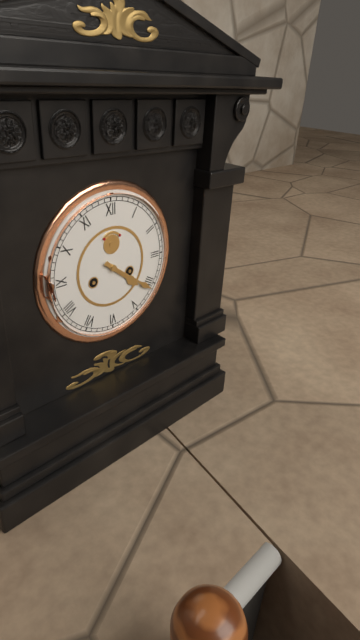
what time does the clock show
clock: 4:21
